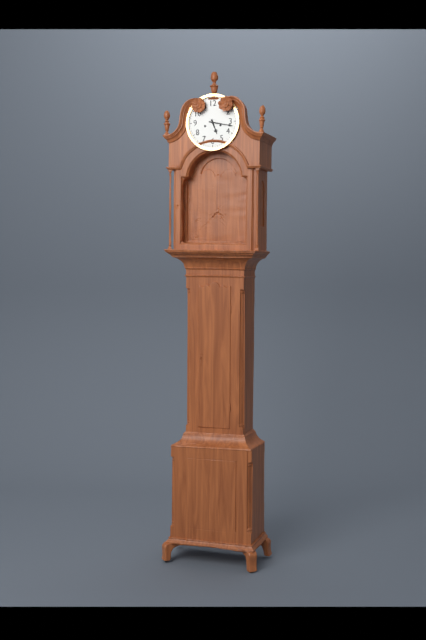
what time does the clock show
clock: 5:17
